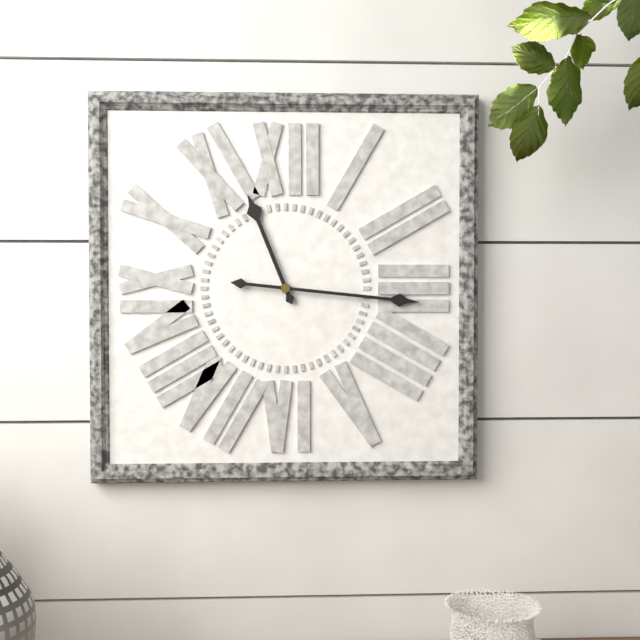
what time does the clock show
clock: 11:16
